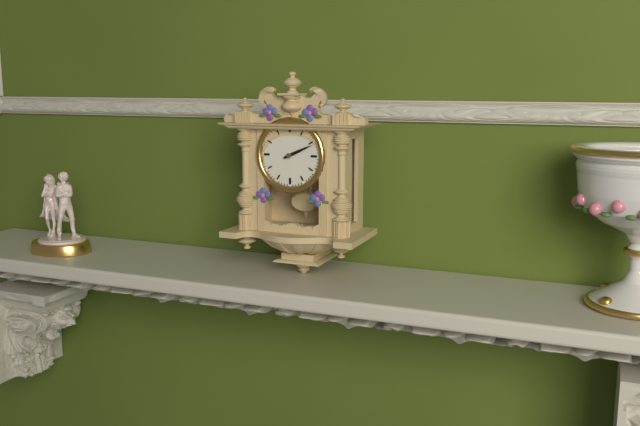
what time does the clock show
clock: 2:11
